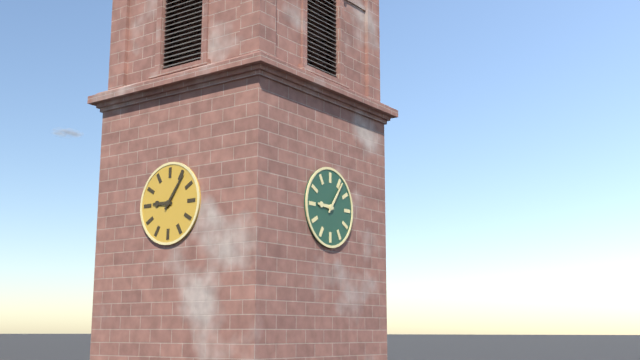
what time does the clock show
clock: 9:06
